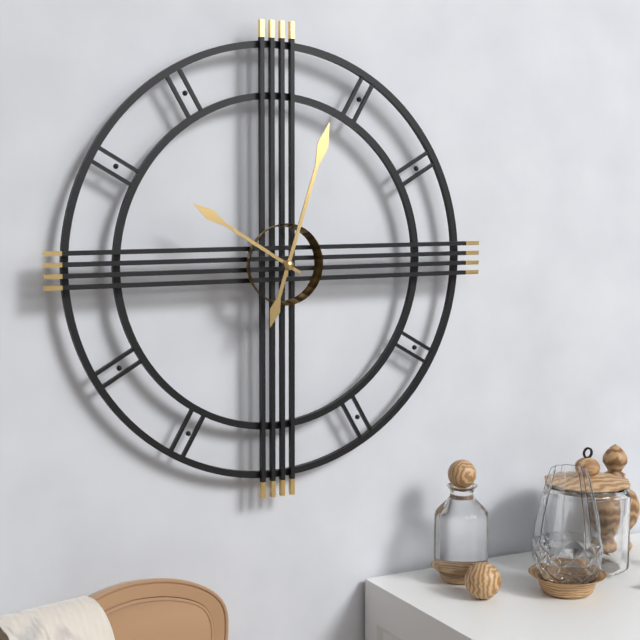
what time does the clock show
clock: 10:03
